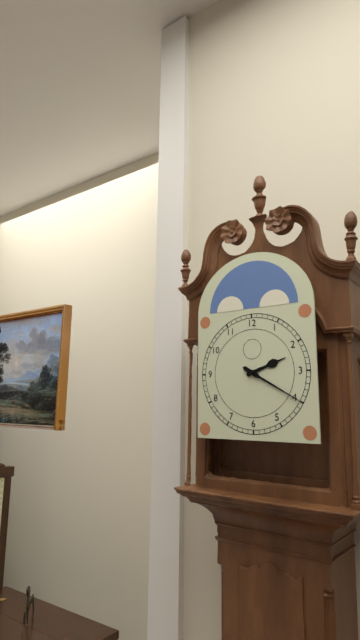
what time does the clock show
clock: 2:20
